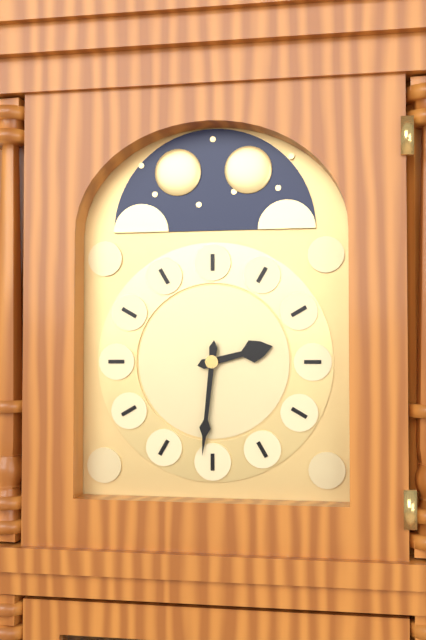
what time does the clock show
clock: 2:31
